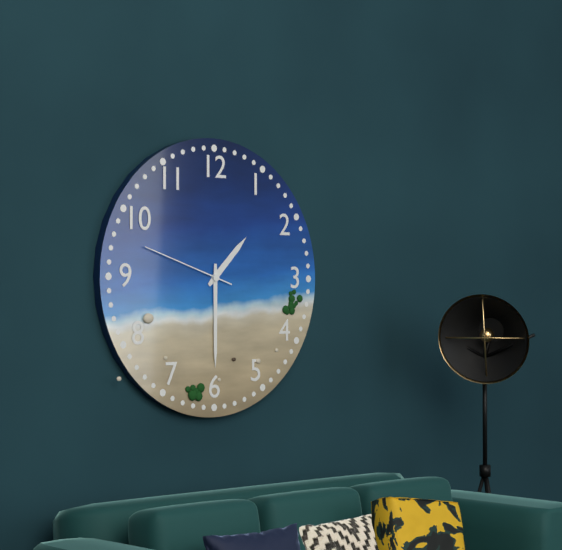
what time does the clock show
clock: 1:30:48
